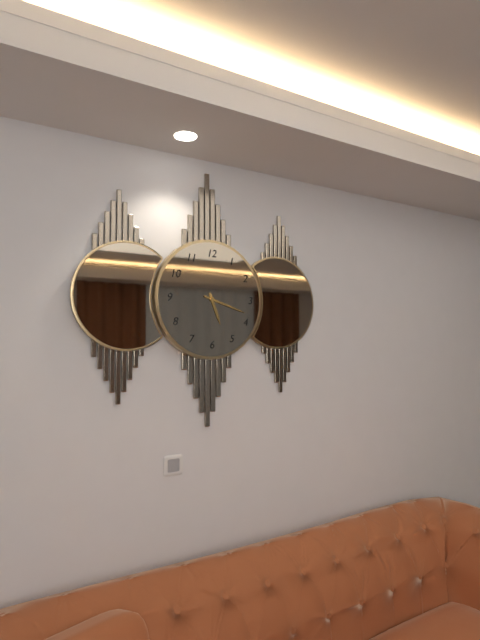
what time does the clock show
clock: 5:18
